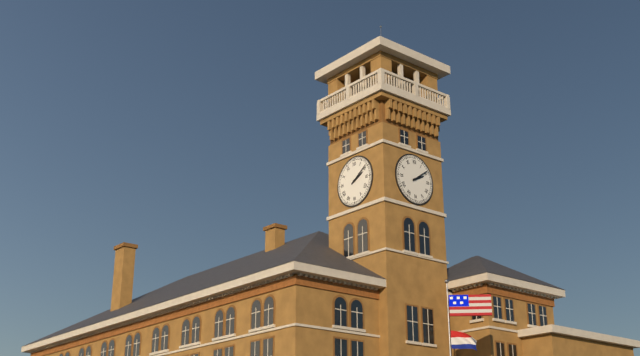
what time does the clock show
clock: 2:09
